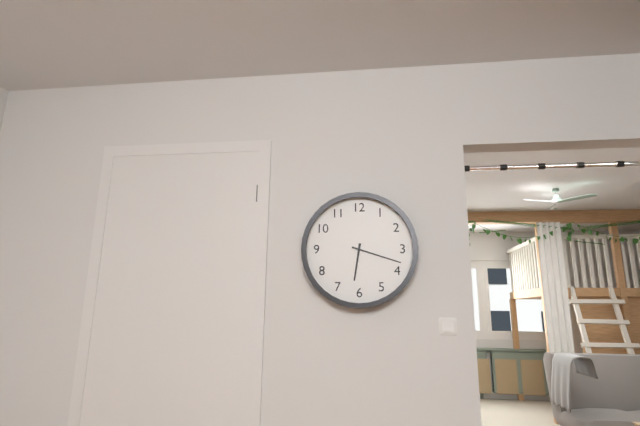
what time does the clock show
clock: 6:18
